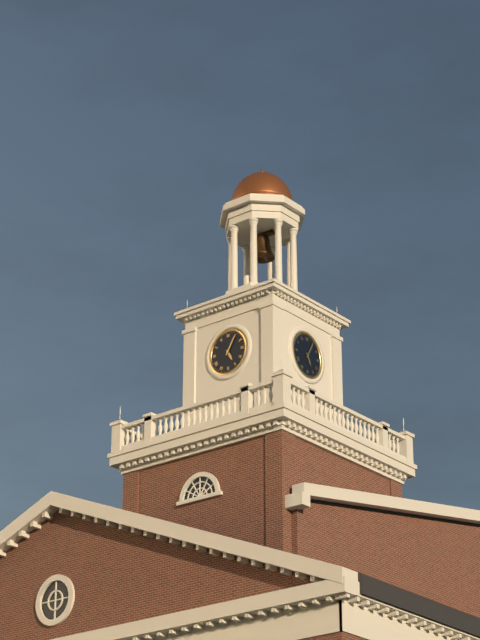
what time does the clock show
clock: 5:05
